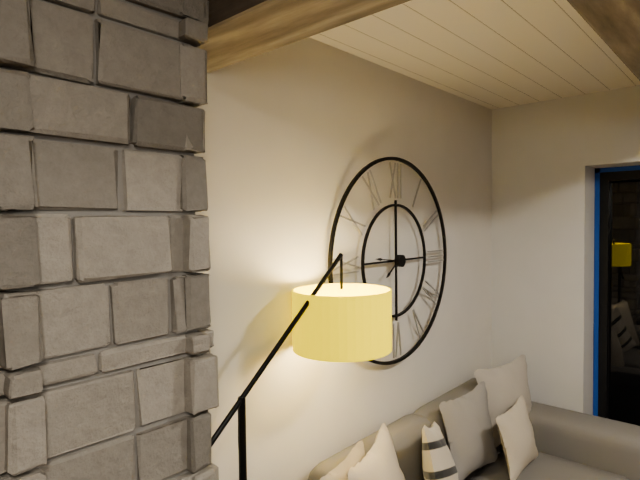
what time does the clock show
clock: 7:46
